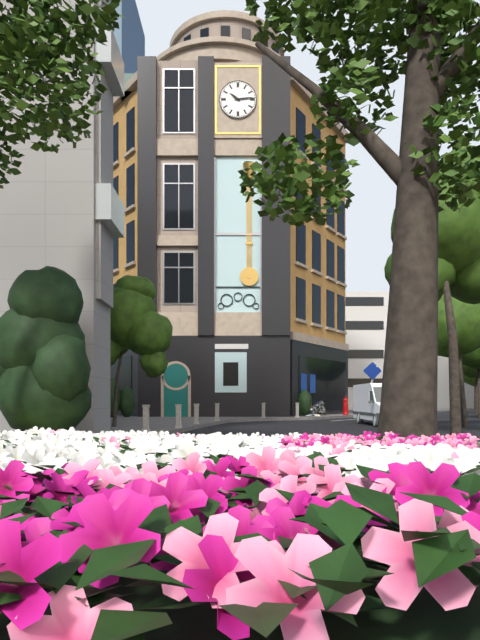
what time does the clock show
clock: 10:14
